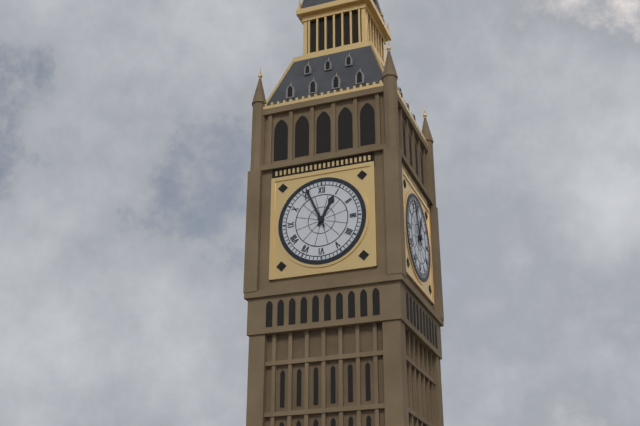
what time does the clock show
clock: 12:56
